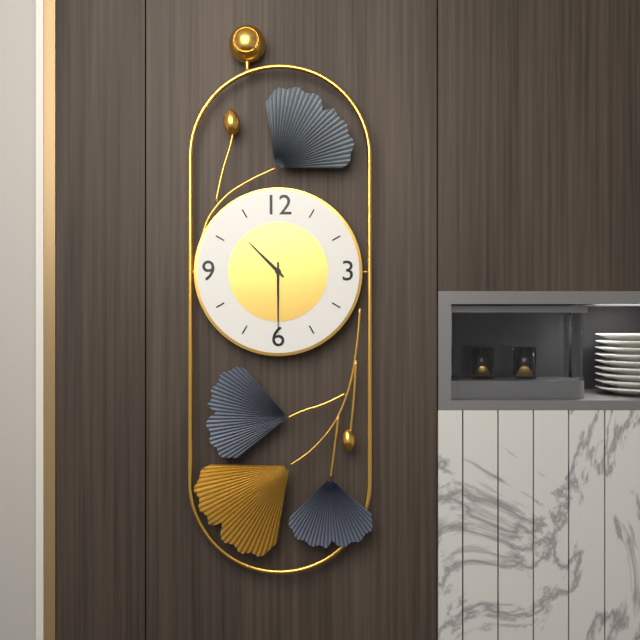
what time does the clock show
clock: 10:30
